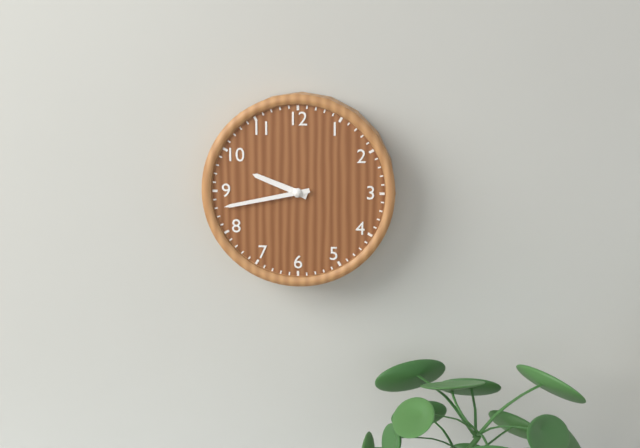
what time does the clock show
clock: 9:43
